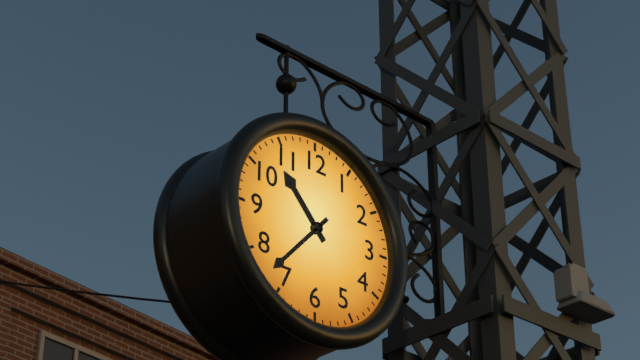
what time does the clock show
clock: 10:37
